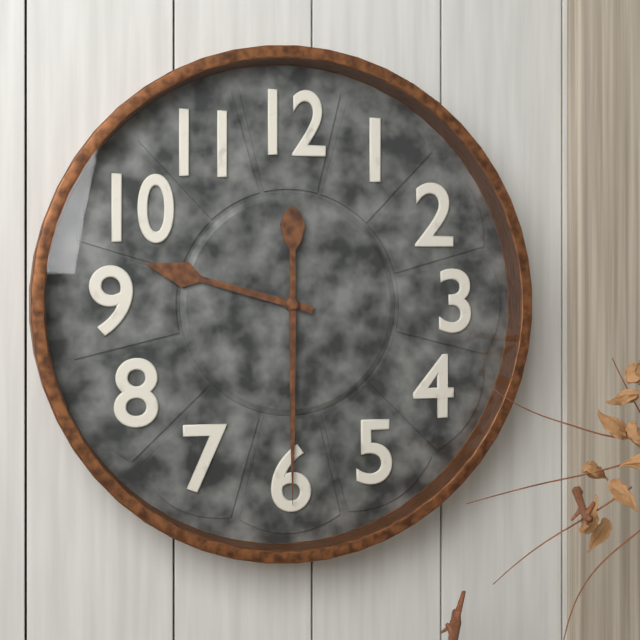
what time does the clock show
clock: 9:30
